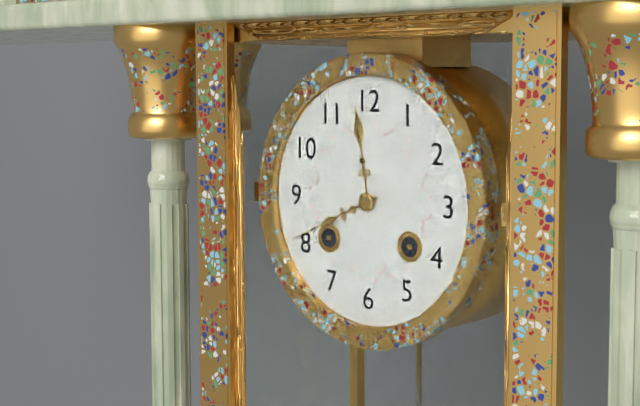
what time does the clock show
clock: 11:41
